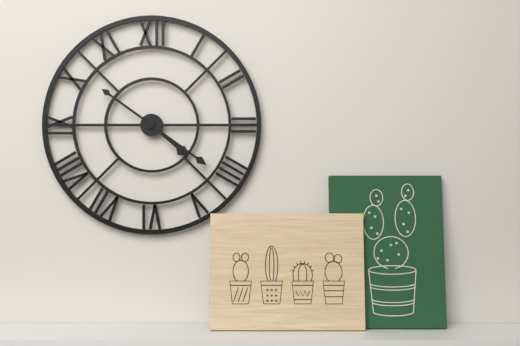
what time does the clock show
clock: 4:21
